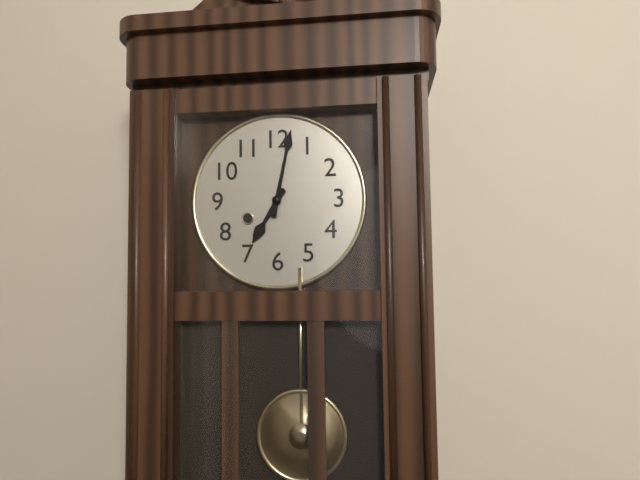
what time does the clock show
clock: 7:02
